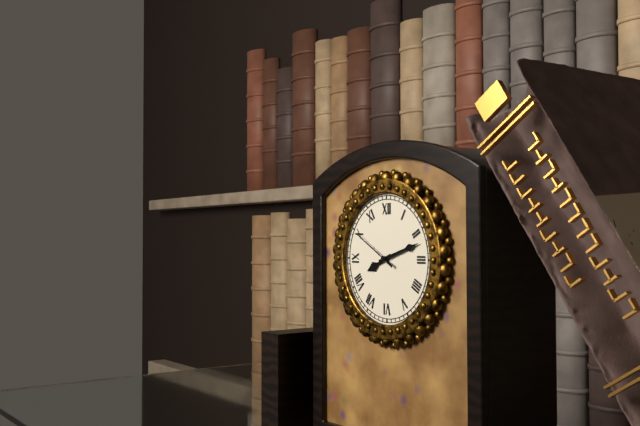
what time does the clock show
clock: 8:12
